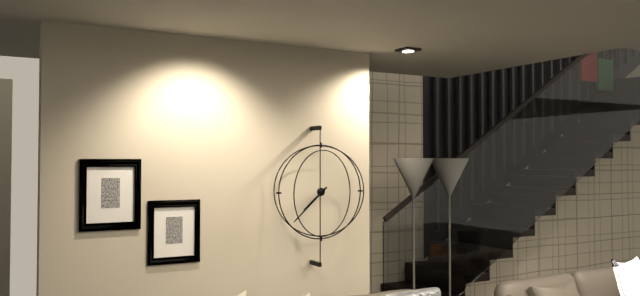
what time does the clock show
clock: 7:38
